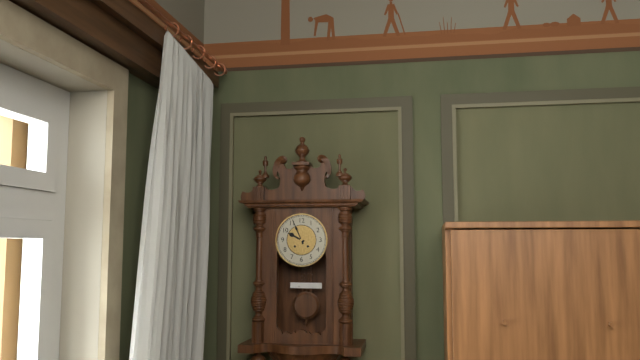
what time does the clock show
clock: 9:56
